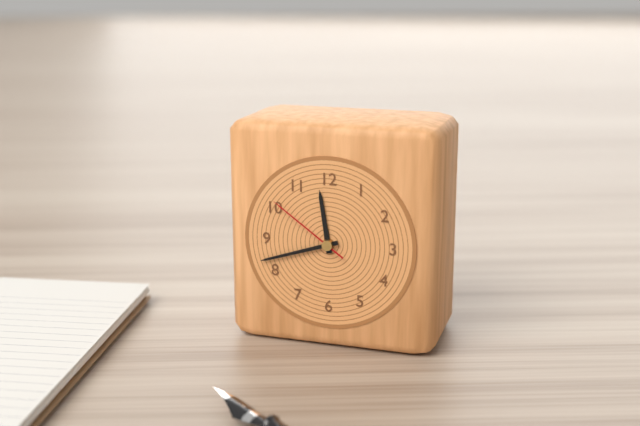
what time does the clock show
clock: 11:42:51
